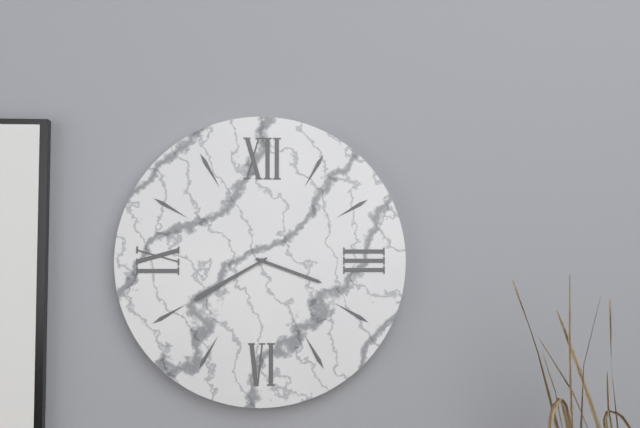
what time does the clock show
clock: 3:40
